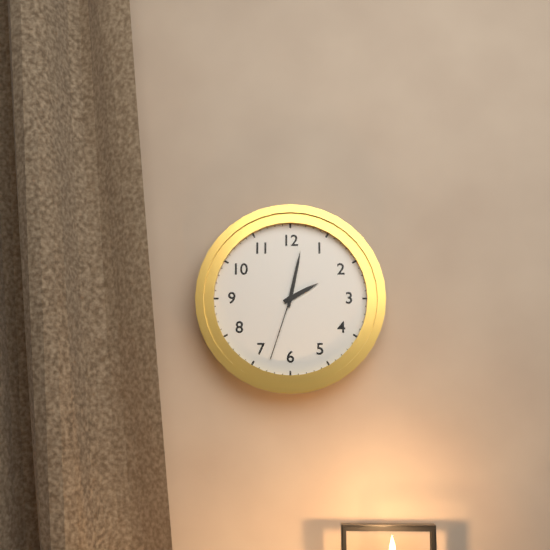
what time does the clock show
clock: 2:02:33
